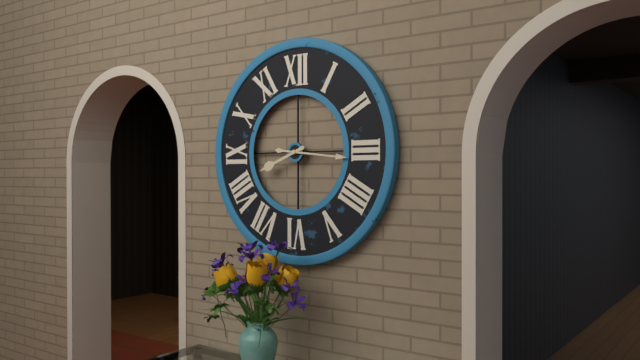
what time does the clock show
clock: 8:16
